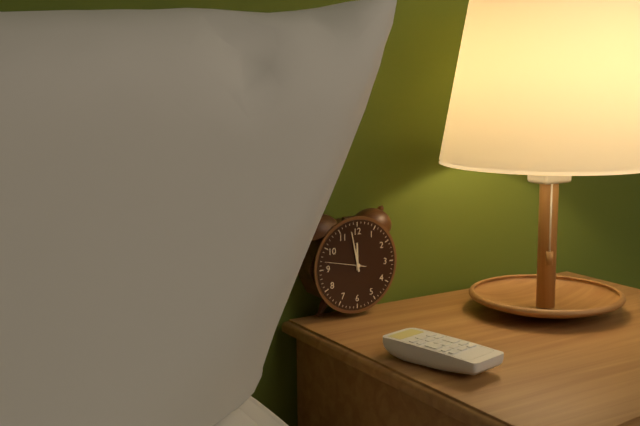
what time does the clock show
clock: 11:58
